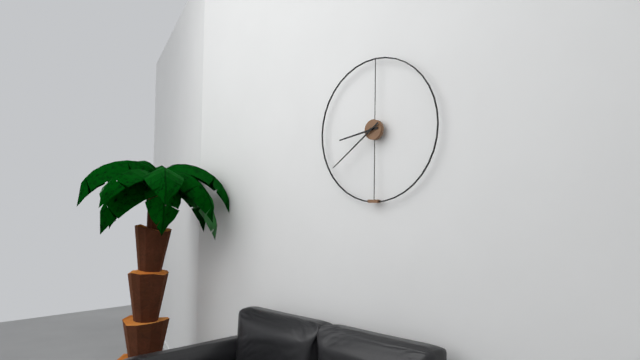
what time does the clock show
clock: 8:39
